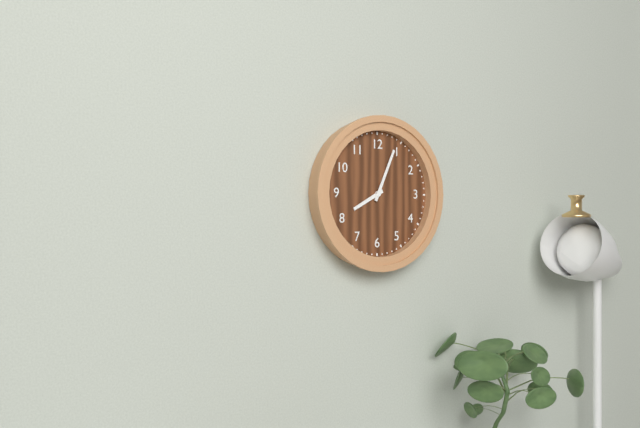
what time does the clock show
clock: 8:04
